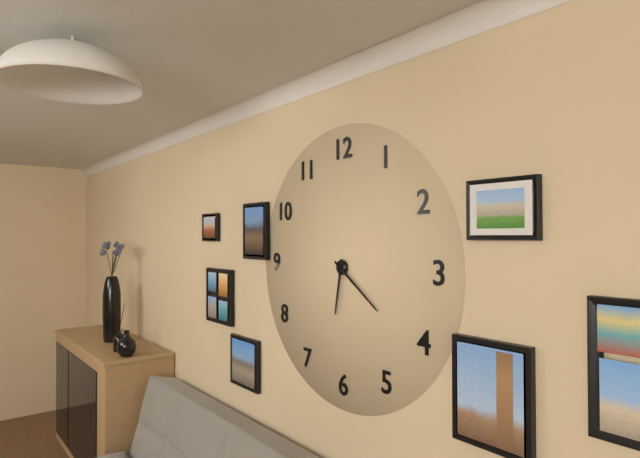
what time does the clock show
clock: 6:21
